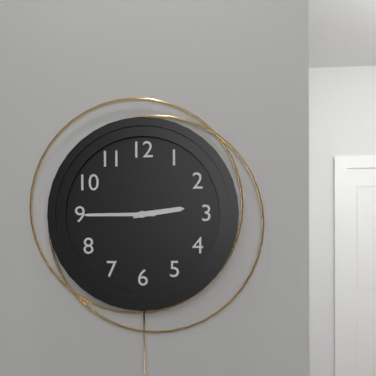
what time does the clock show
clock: 2:45
